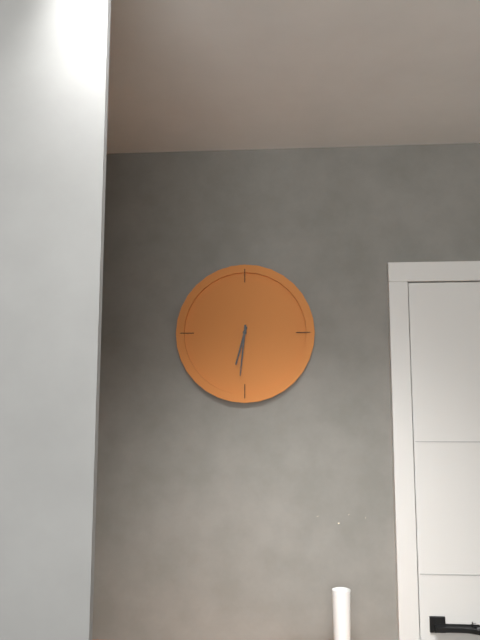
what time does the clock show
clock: 6:31
